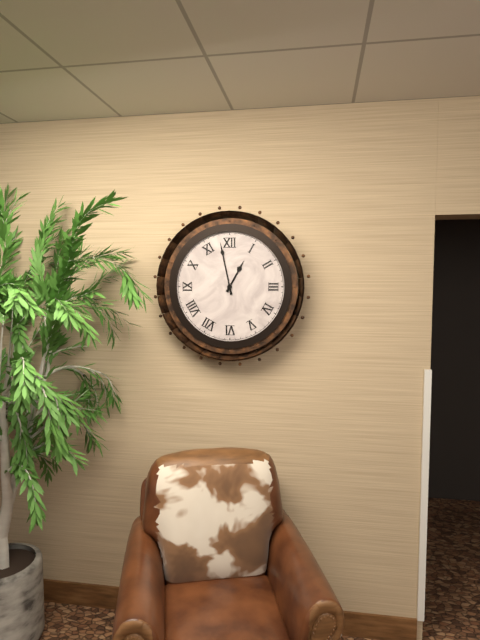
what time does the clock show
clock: 12:58
